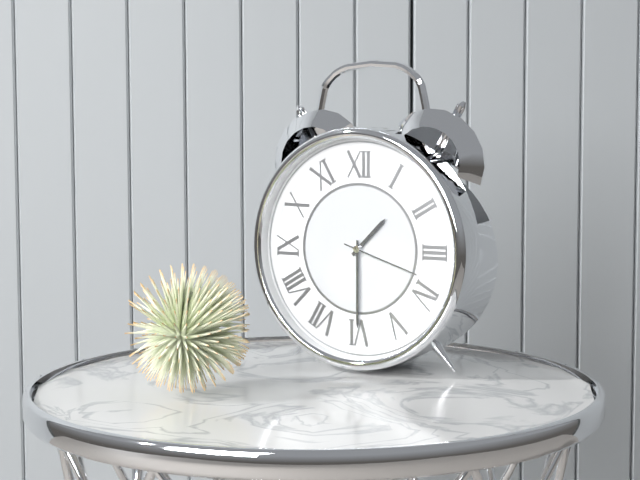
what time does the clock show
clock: 1:30:18
